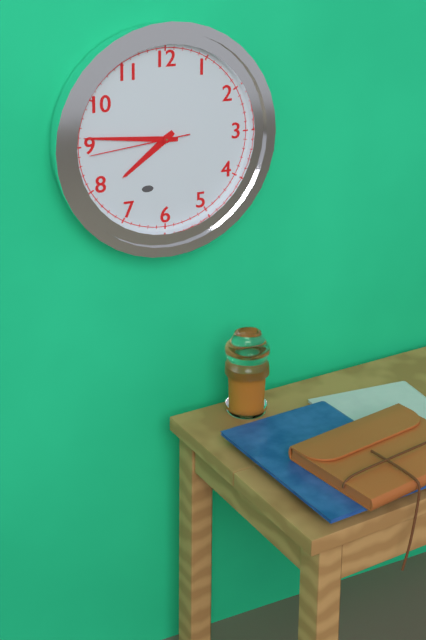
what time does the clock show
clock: 7:46:44
